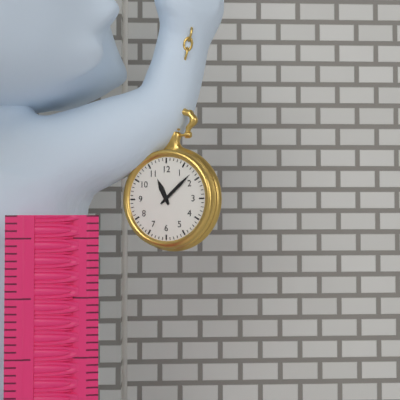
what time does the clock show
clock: 11:08
